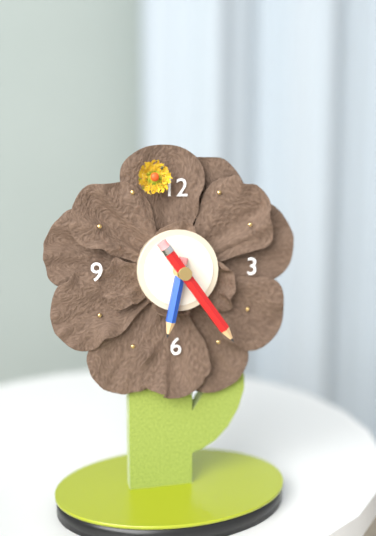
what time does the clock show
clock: 6:24
